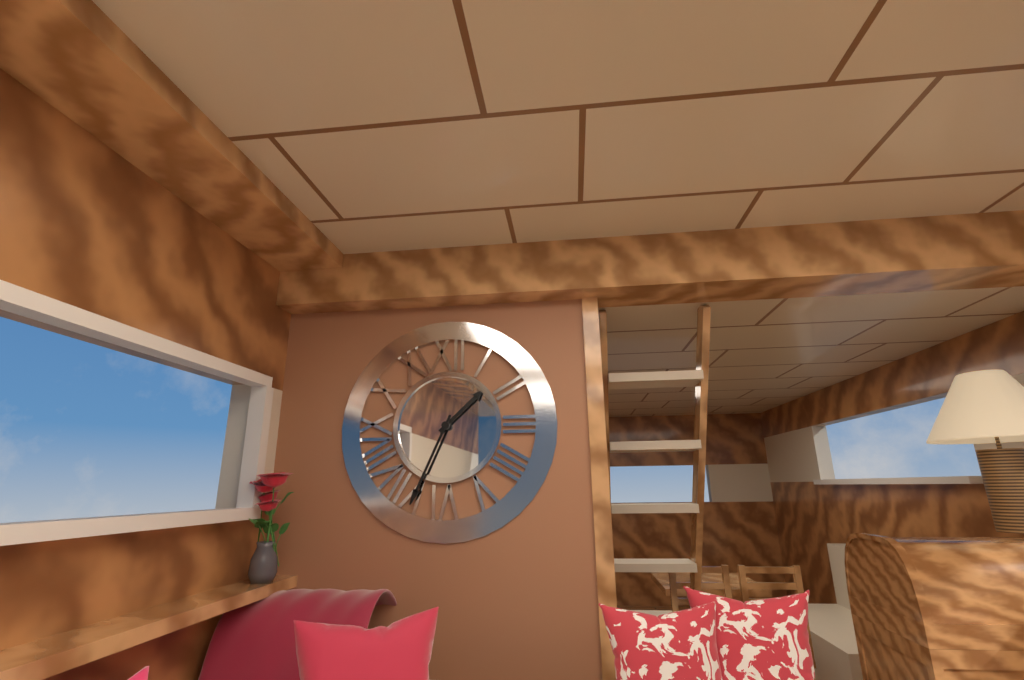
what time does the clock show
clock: 1:34
